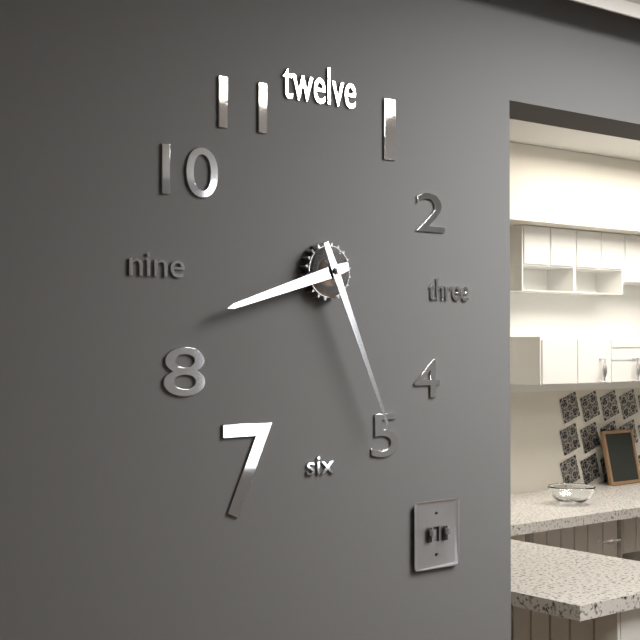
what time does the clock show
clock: 8:26
